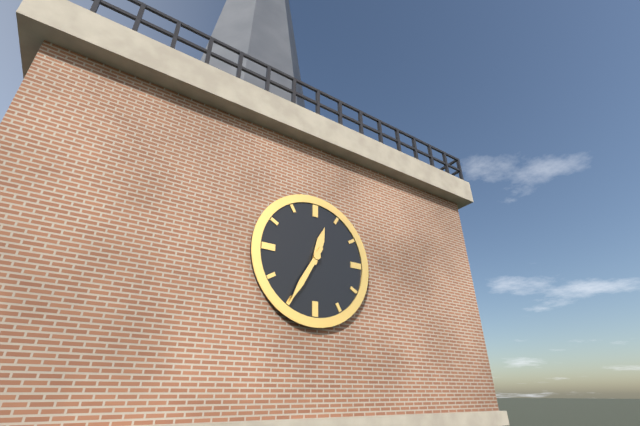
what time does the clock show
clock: 12:35
